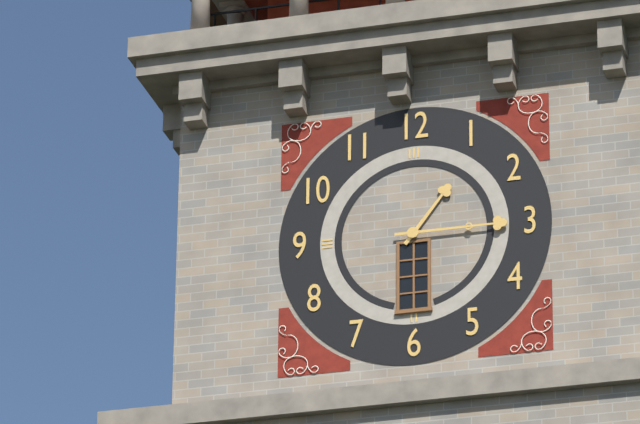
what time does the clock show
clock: 1:15
